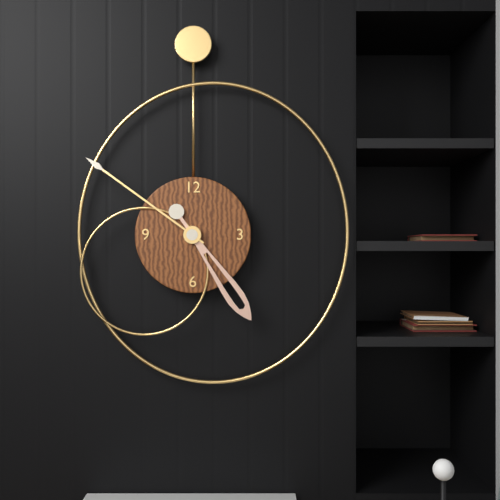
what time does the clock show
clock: 4:51
